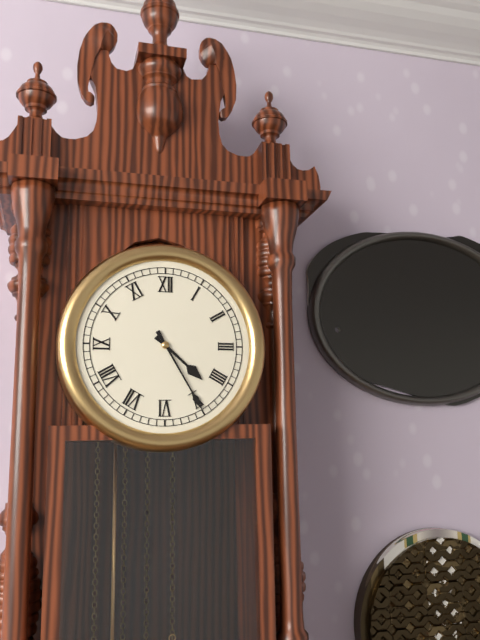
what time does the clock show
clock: 4:25
